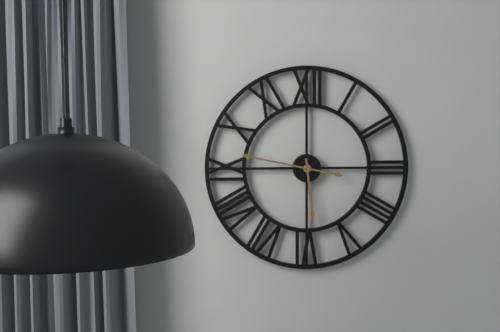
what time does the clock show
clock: 5:47
